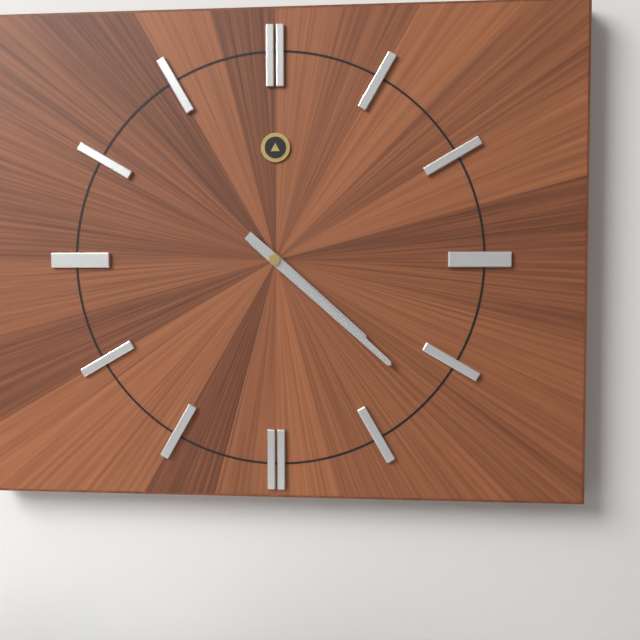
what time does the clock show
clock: 4:22
